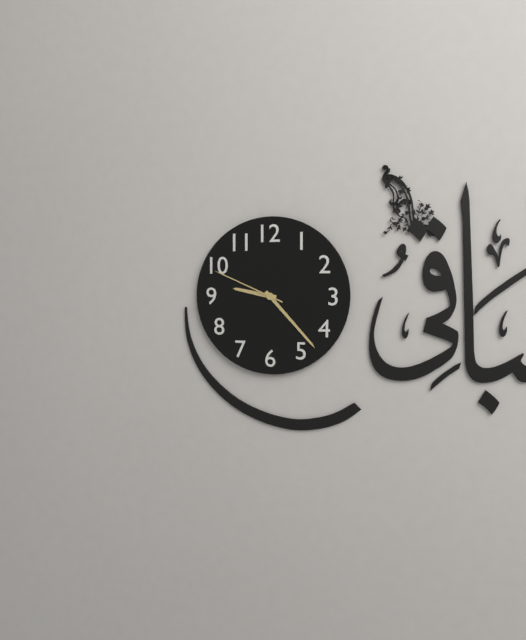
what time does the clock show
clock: 9:23:49
